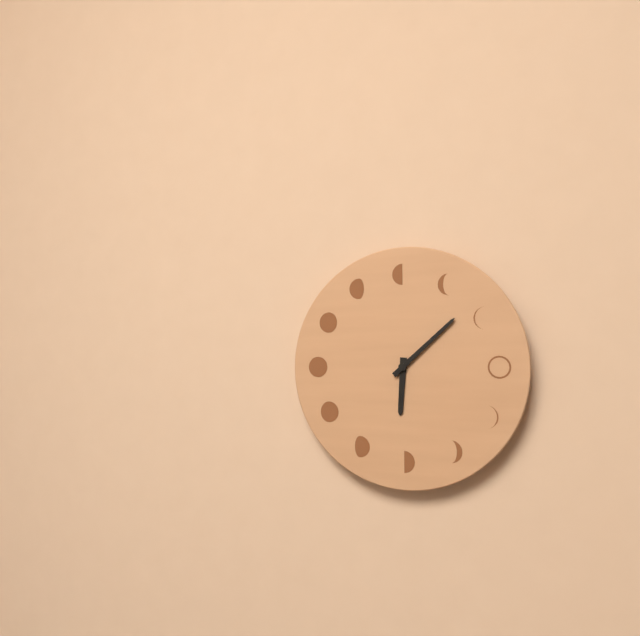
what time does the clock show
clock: 6:08
